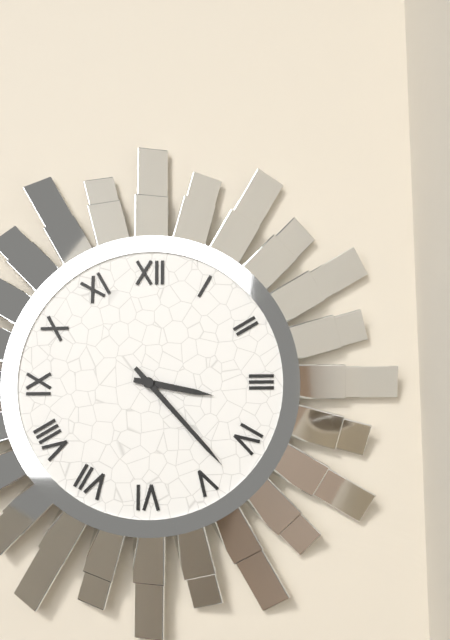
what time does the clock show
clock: 3:23
